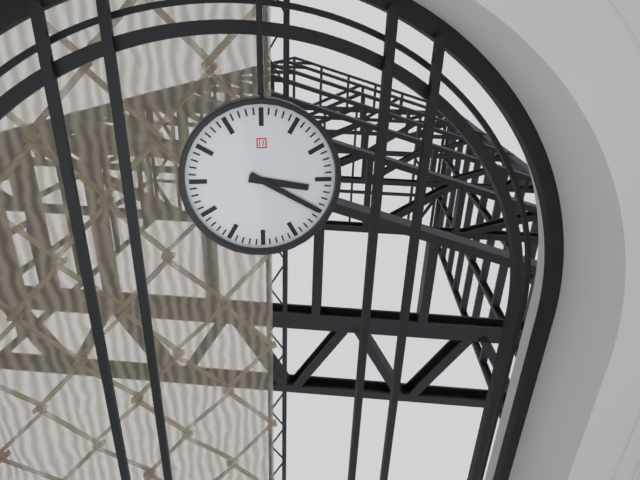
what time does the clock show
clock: 3:20
